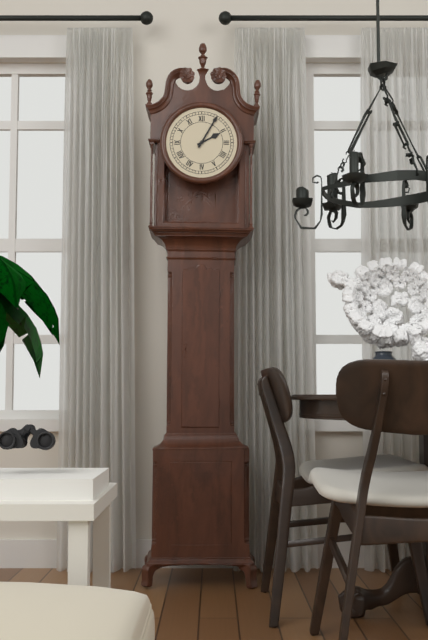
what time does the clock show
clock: 2:05
